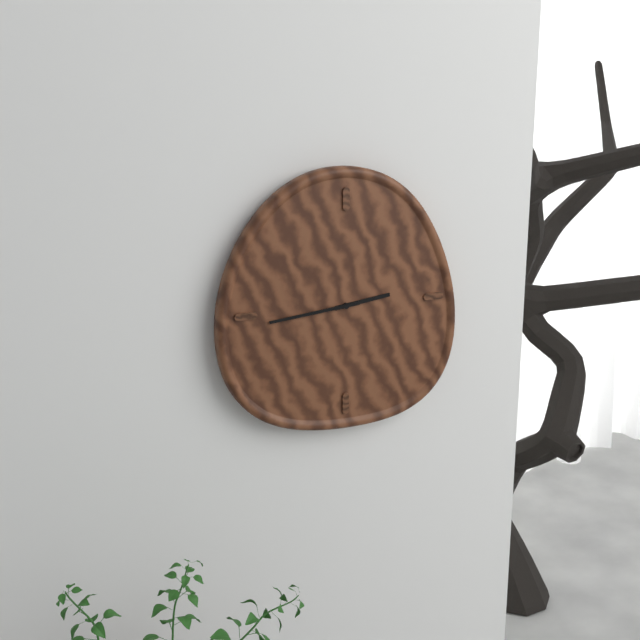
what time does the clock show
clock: 2:44
